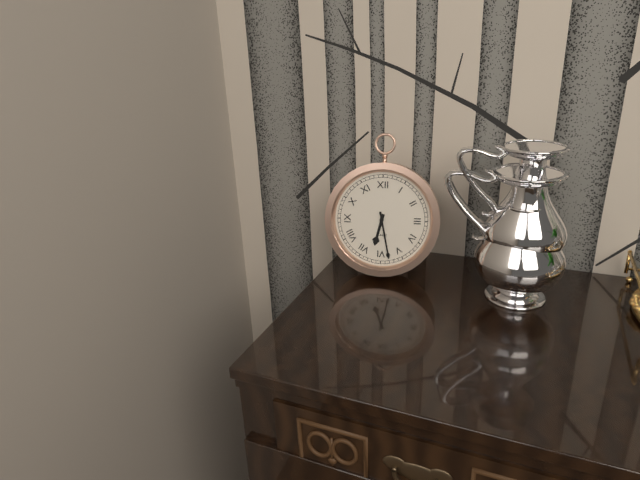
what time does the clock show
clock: 6:28
